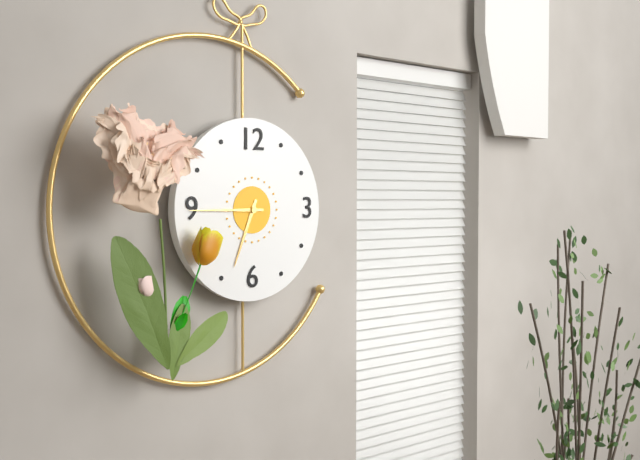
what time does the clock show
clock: 6:45
